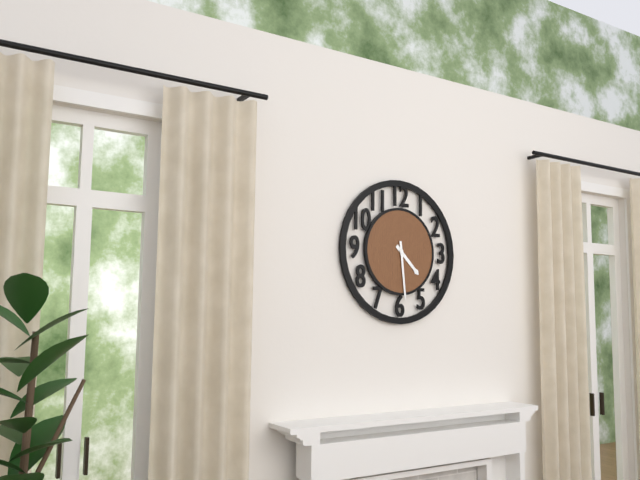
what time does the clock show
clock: 4:29
